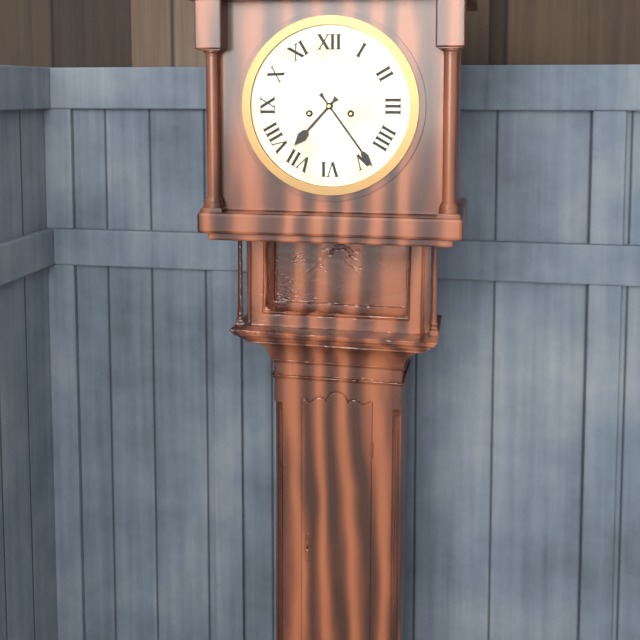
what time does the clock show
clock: 7:24
